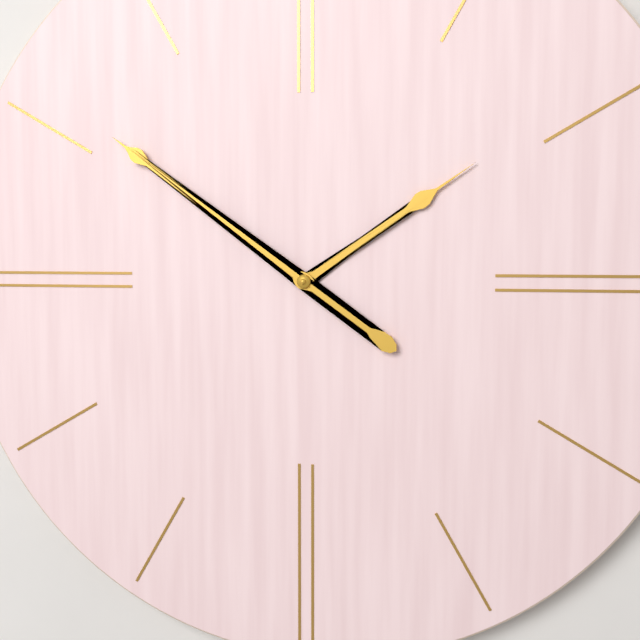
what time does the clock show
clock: 1:51
